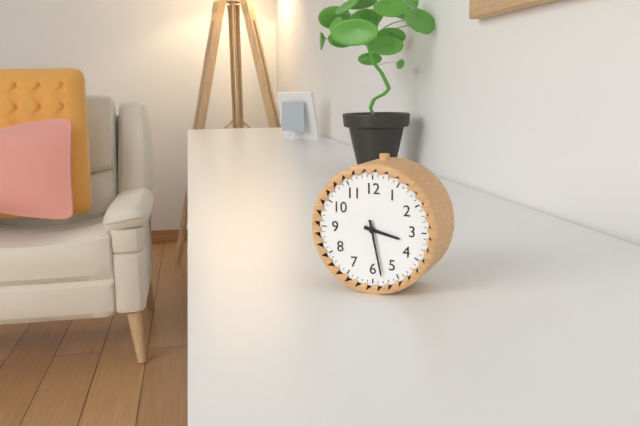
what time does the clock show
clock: 3:28
